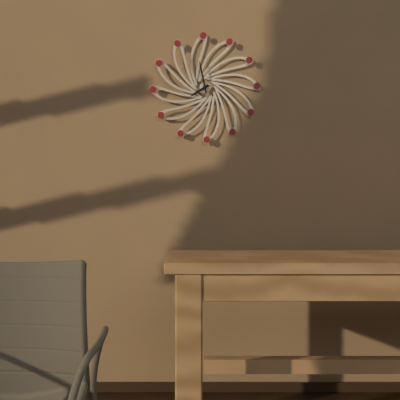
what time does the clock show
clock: 7:58
